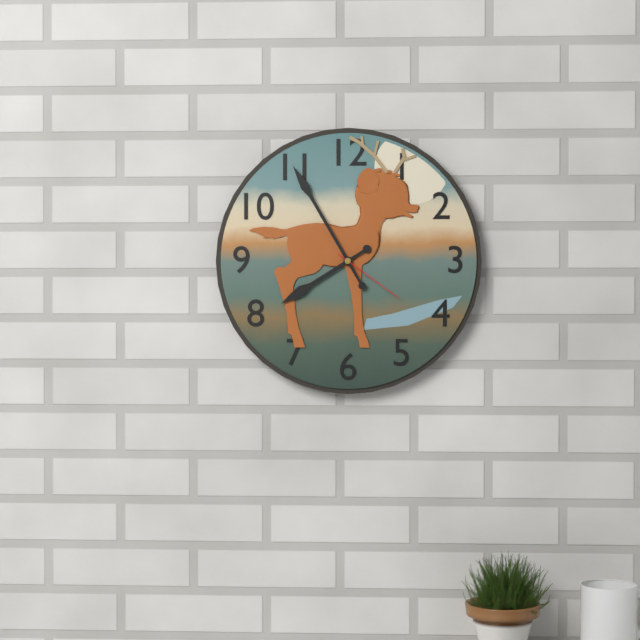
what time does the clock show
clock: 7:55:21
